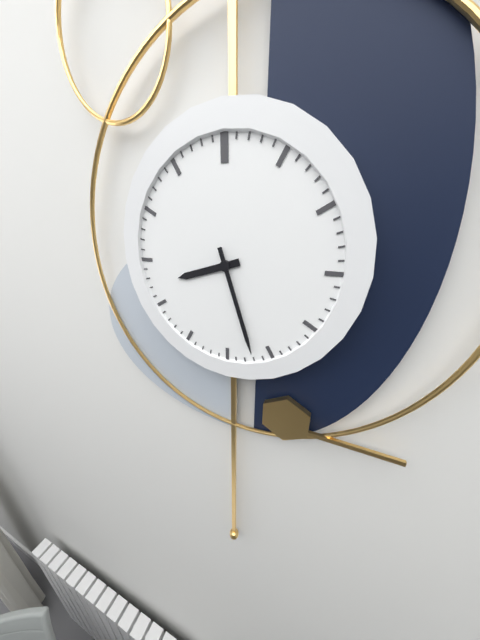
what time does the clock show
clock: 8:27
